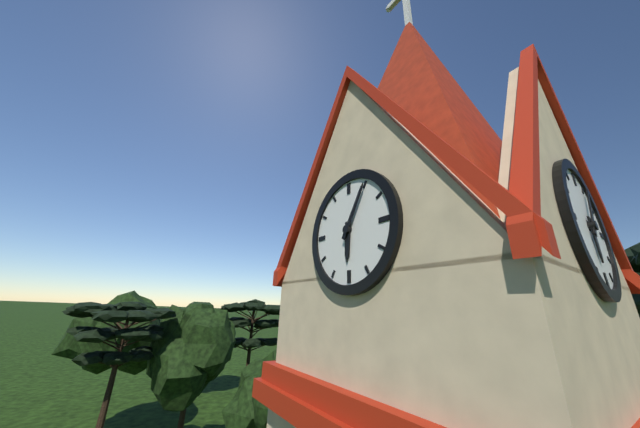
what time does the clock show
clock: 6:05
